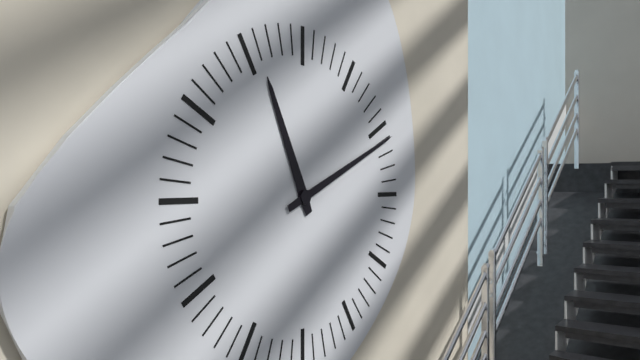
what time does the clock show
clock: 11:11
